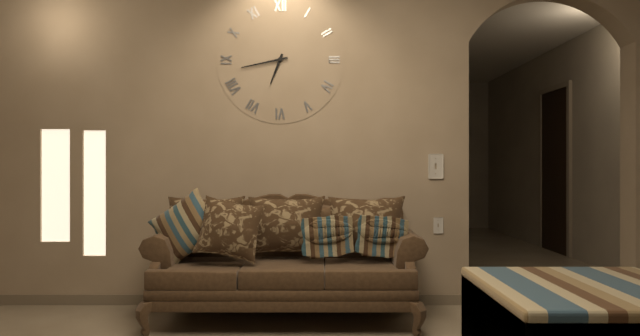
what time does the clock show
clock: 6:43
